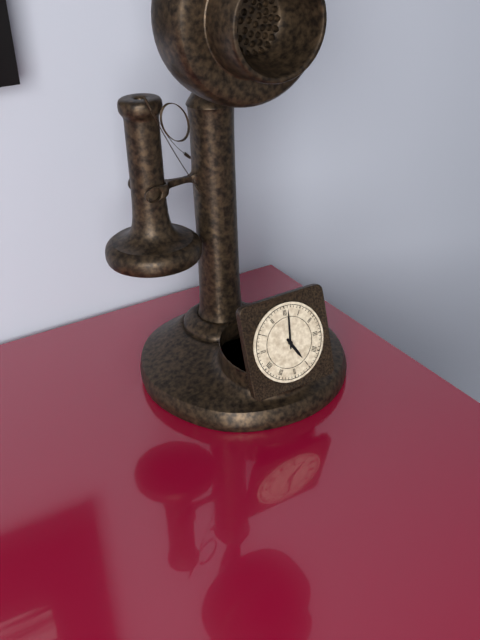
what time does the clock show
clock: 5:01
